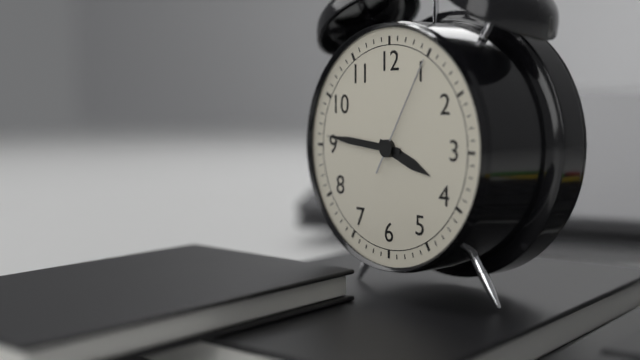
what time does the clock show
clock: 3:46:05
